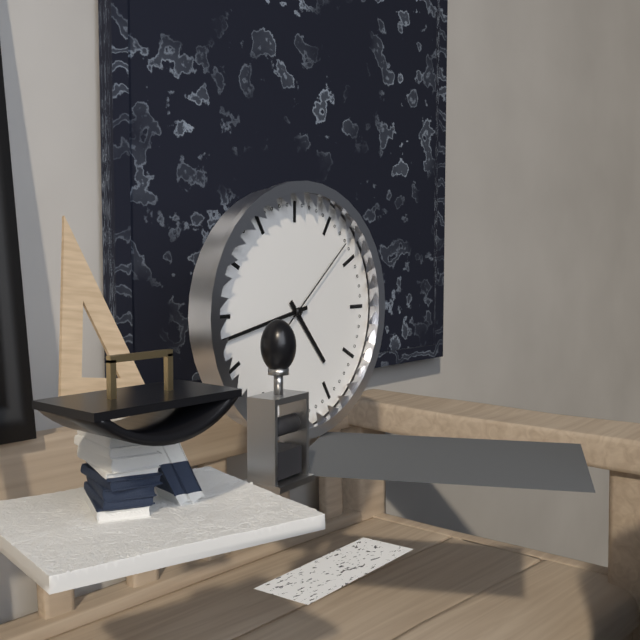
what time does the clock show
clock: 4:43:08
